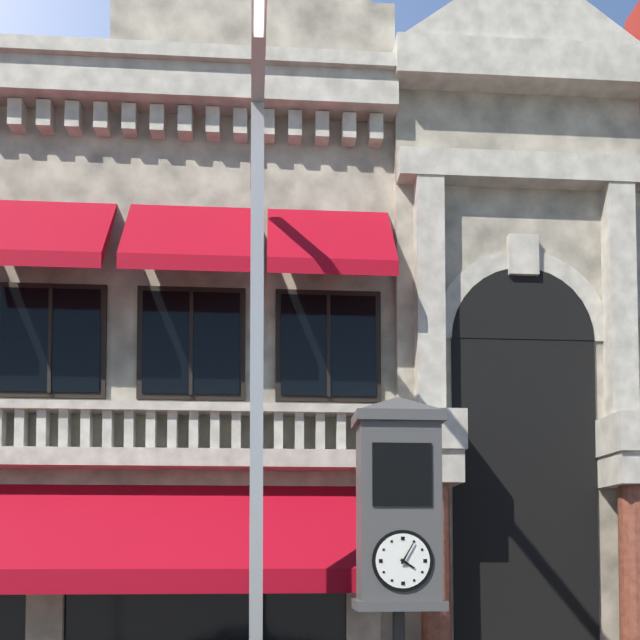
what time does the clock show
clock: 4:05
